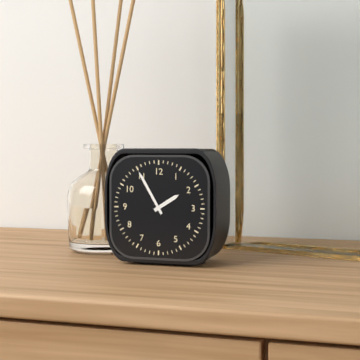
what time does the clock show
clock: 1:55
